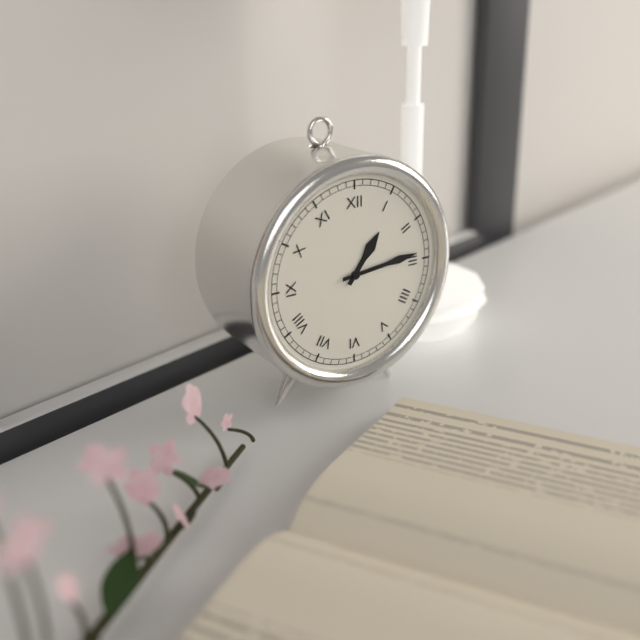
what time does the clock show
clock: 1:14
